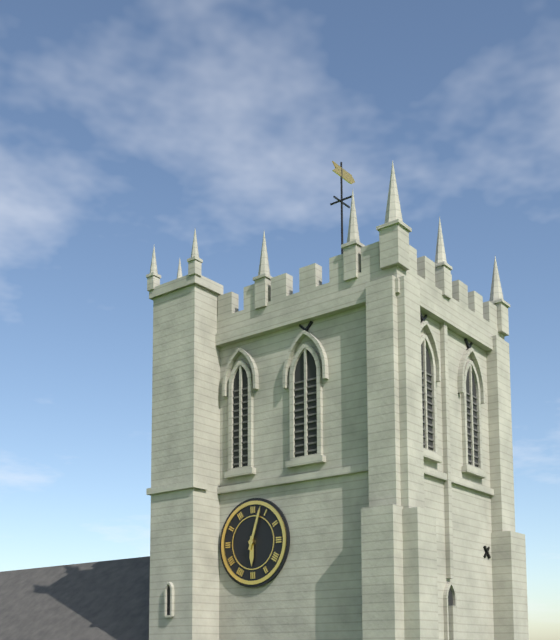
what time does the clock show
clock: 6:03
